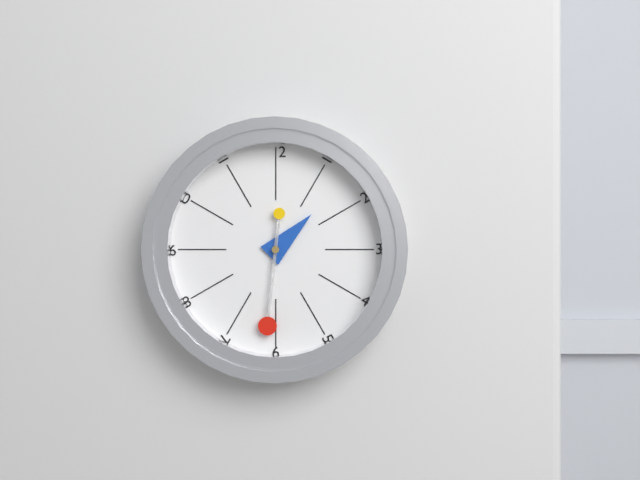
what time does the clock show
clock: 1:31
